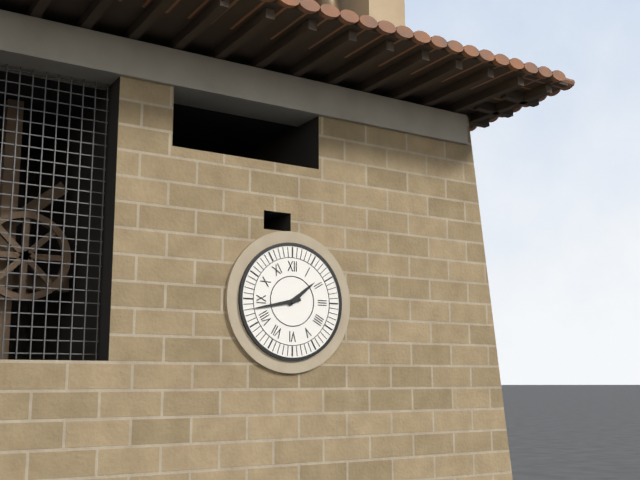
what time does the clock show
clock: 1:43
